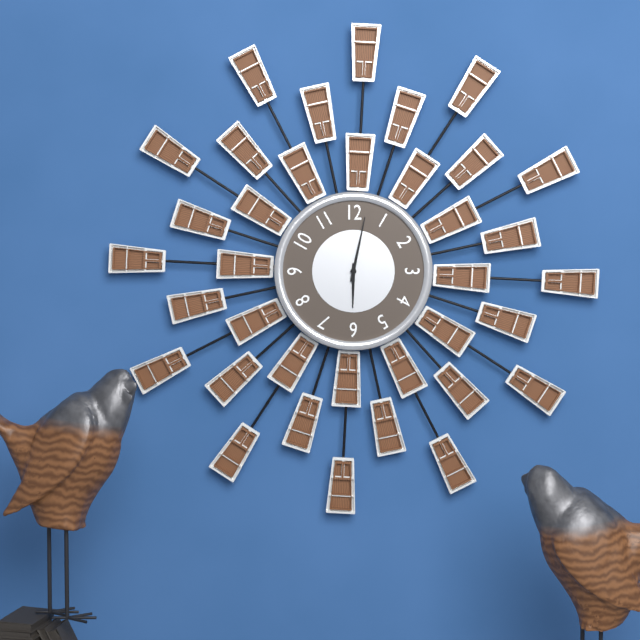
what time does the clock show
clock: 6:02
